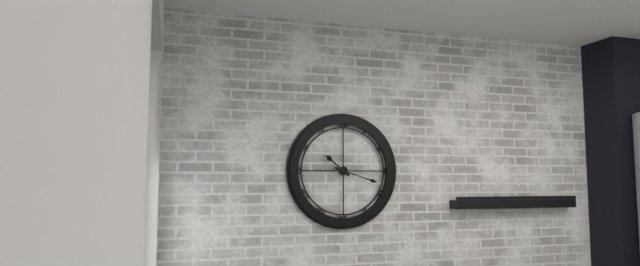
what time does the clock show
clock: 10:18
